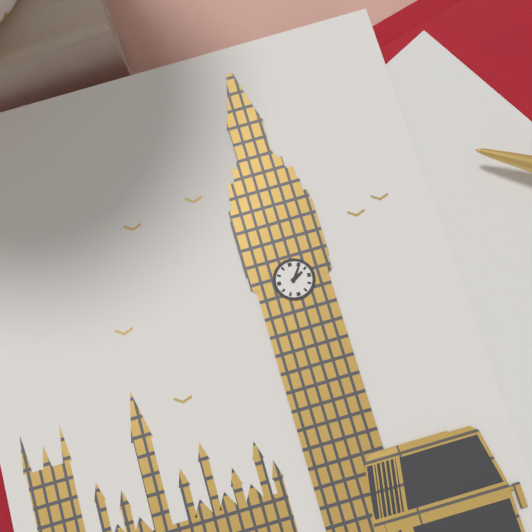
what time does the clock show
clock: 2:06
